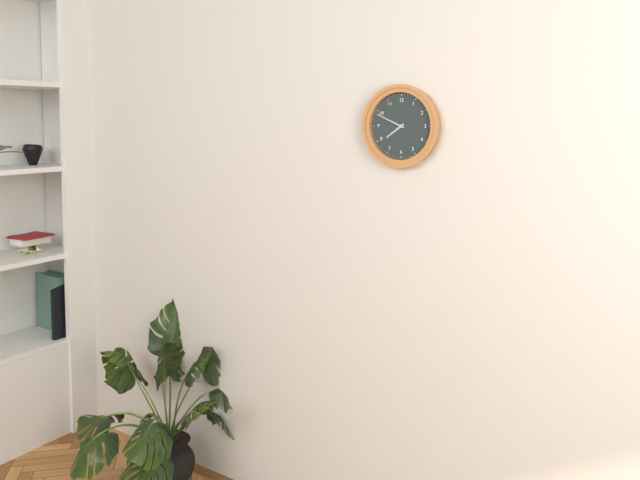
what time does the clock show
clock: 7:49
